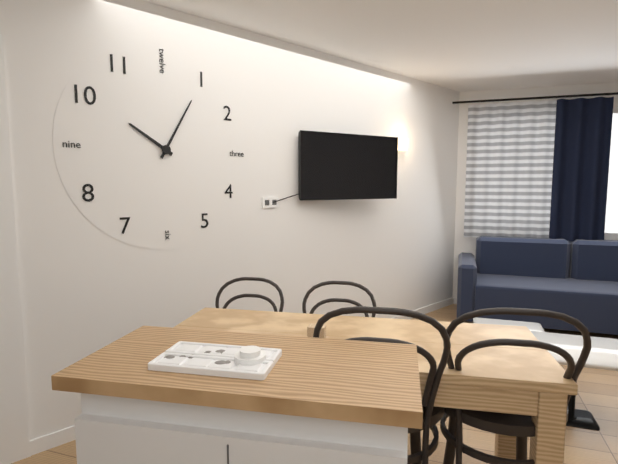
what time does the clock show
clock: 10:05
